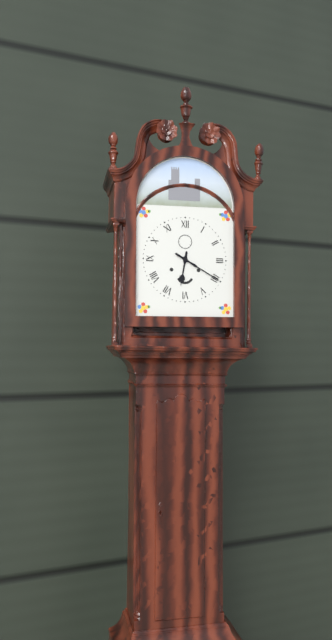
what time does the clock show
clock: 6:20
